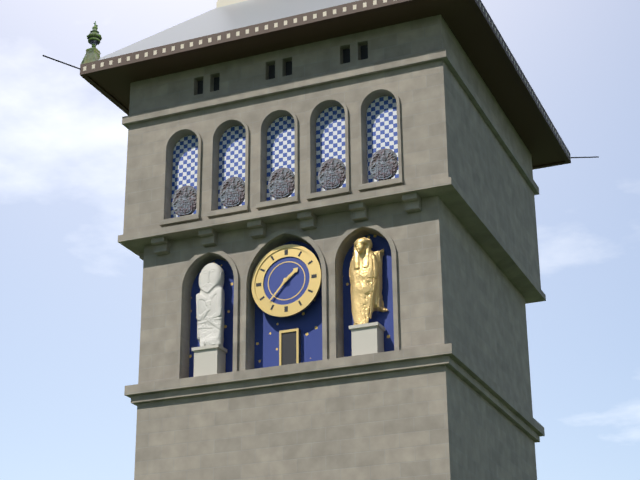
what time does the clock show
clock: 1:37
